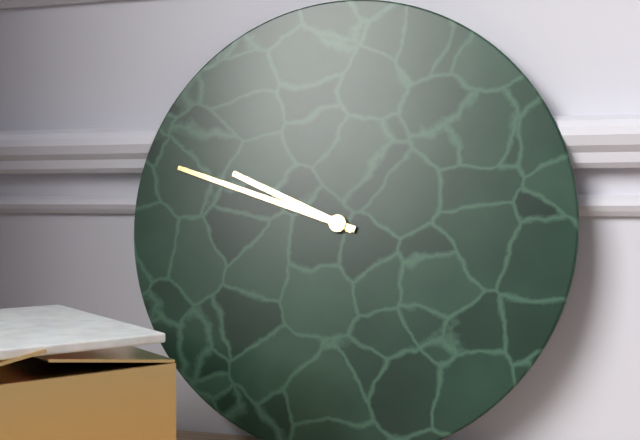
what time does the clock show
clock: 9:48
